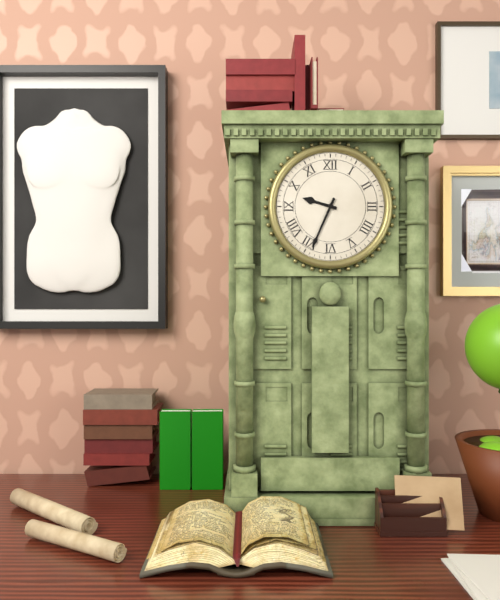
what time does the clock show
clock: 9:34
